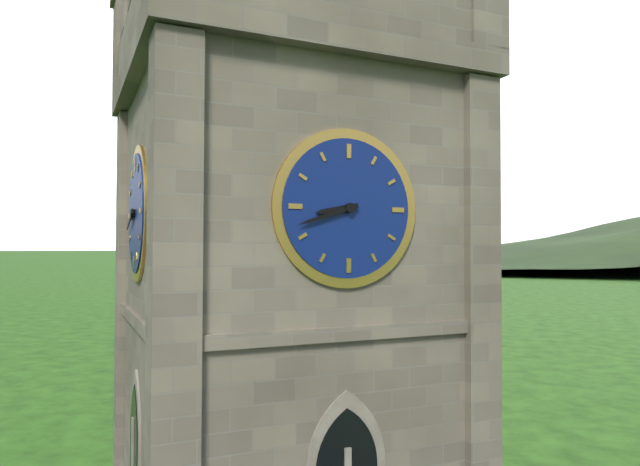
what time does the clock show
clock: 8:42
